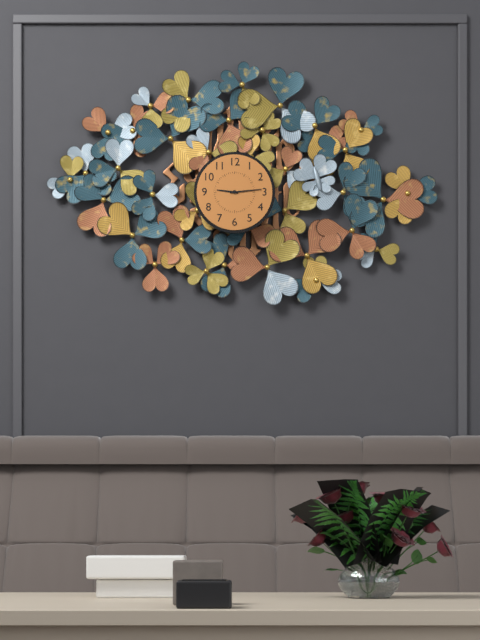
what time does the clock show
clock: 9:14
